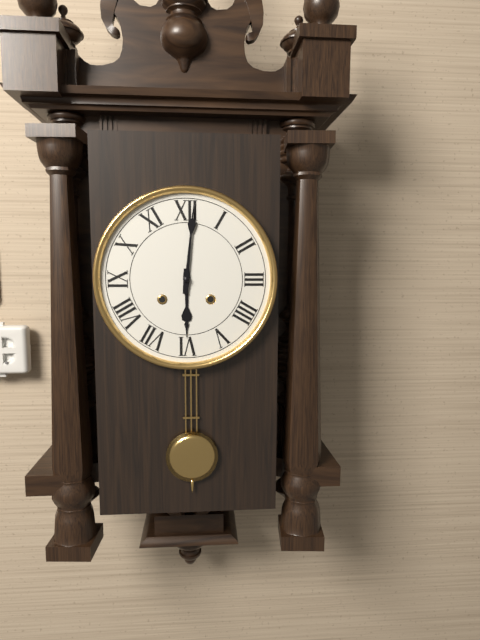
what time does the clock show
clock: 6:01
